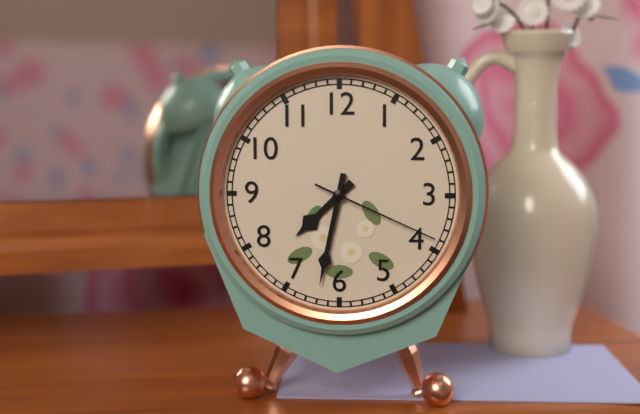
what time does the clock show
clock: 7:32:19
